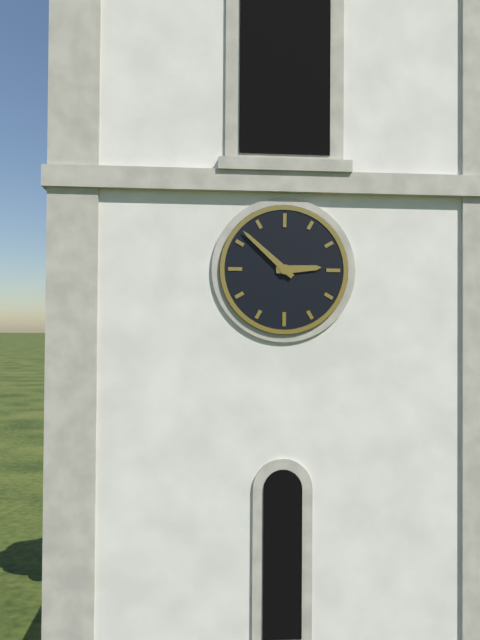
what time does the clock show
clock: 2:52
